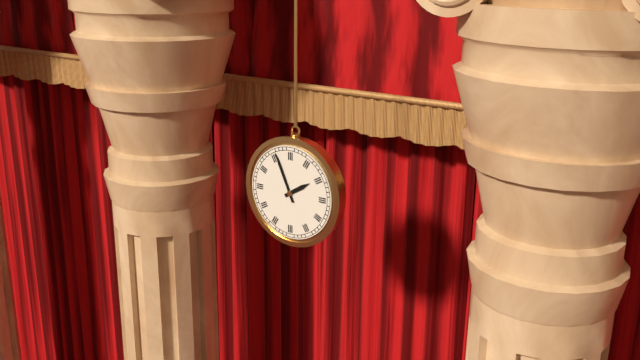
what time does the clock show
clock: 1:56
